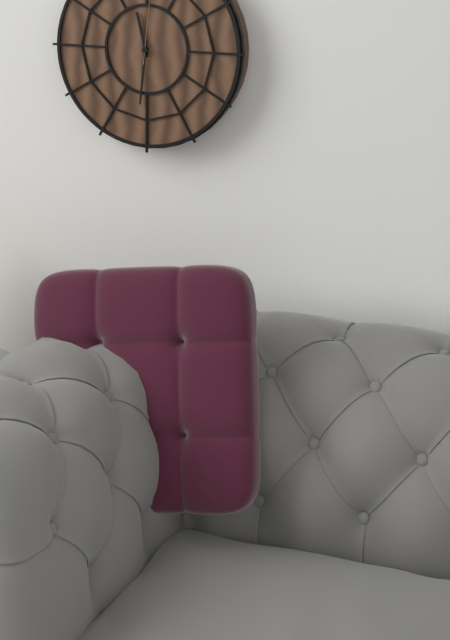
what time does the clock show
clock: 11:31
